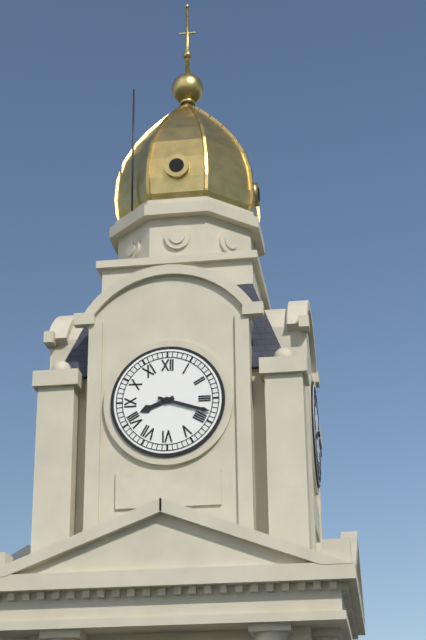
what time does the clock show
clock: 8:18
